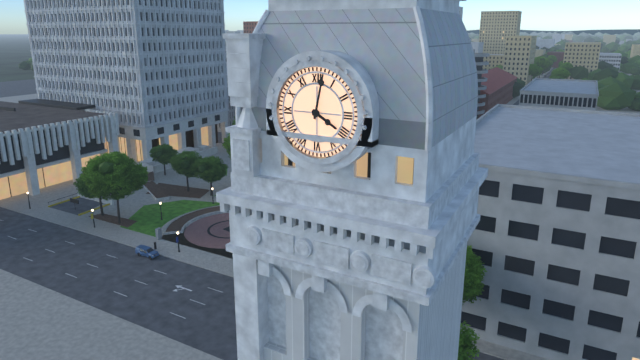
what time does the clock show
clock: 4:02
